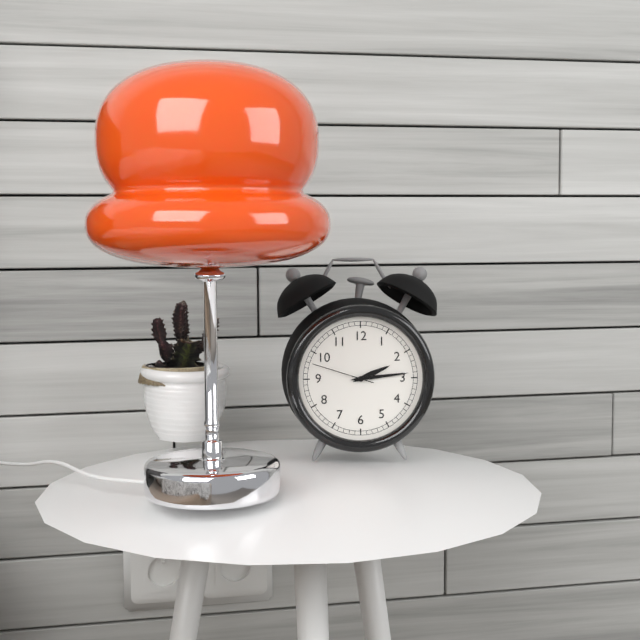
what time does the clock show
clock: 2:14:48
